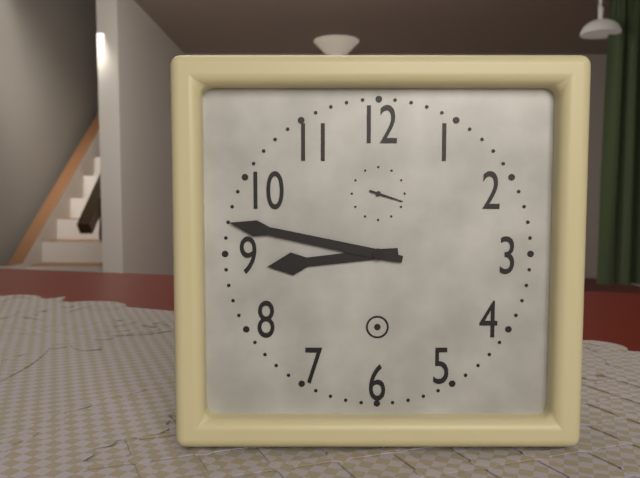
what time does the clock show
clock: 8:47
